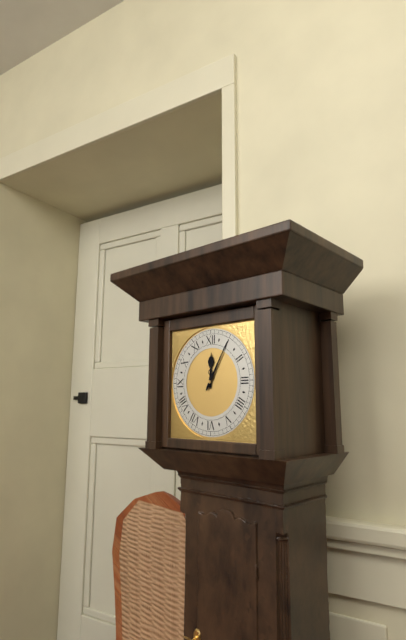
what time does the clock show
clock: 12:05
